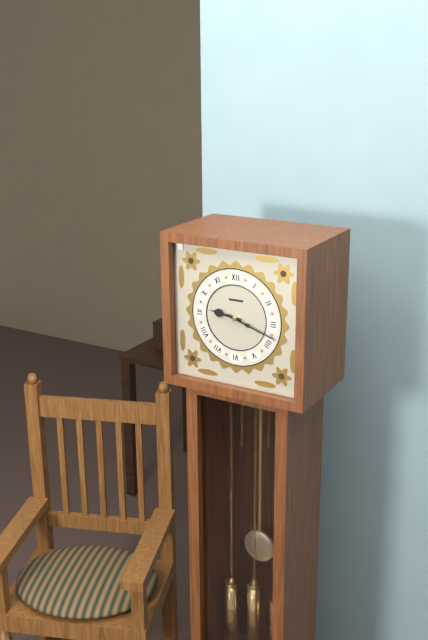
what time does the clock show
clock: 9:18
